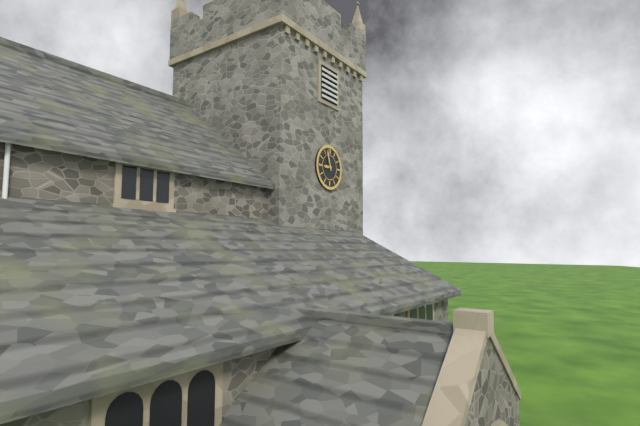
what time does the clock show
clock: 8:57
